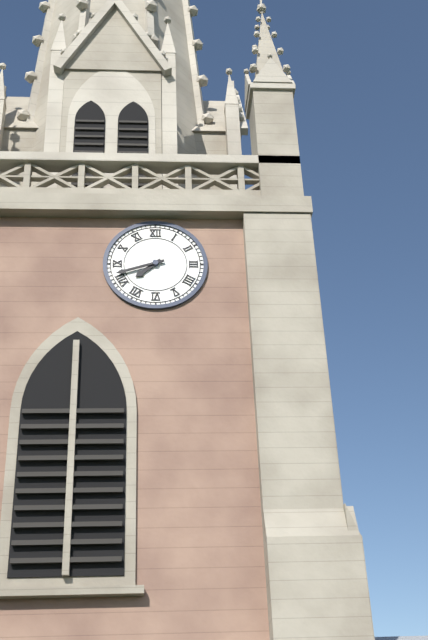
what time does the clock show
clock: 7:42
